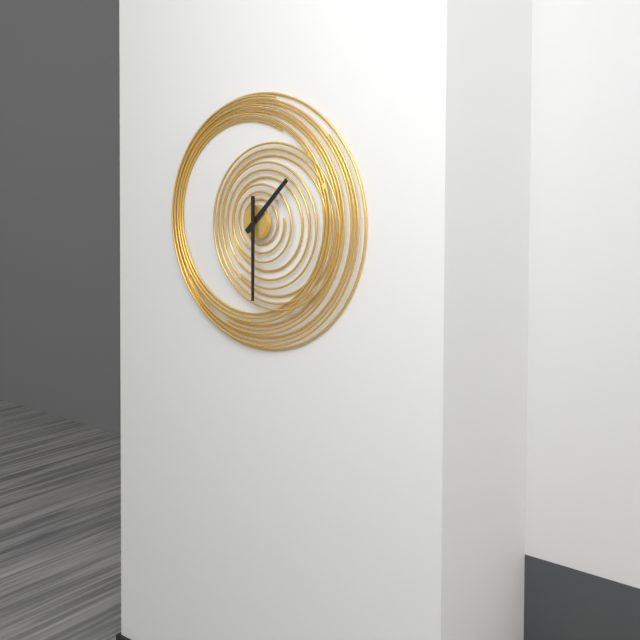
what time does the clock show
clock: 1:30
